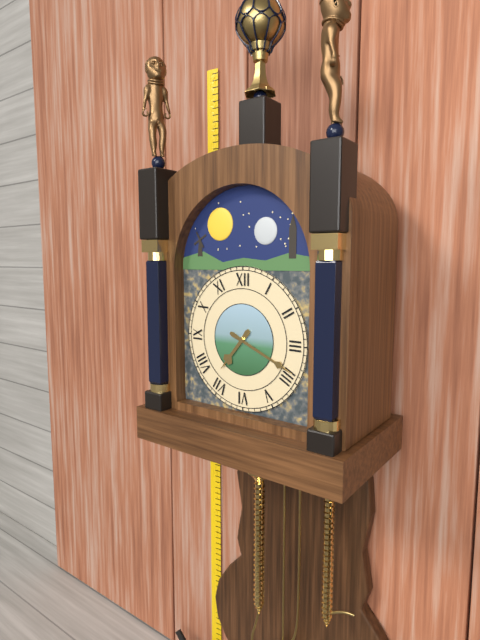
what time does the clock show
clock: 7:19
